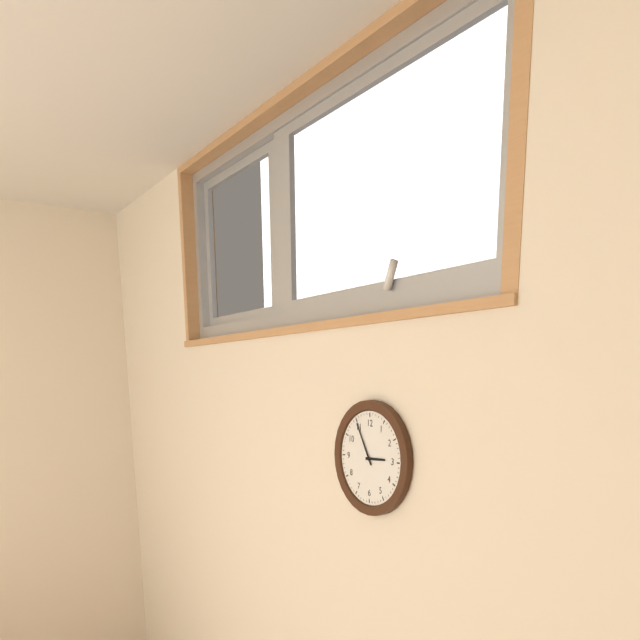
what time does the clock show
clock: 2:55
